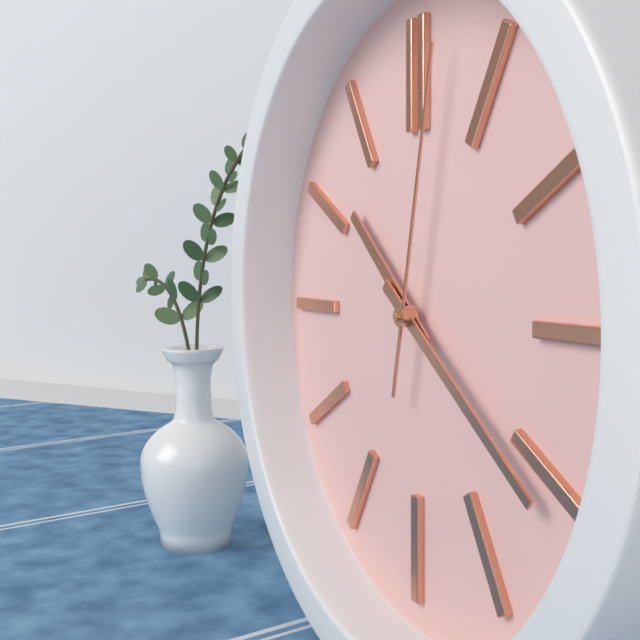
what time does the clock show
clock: 10:21:02
